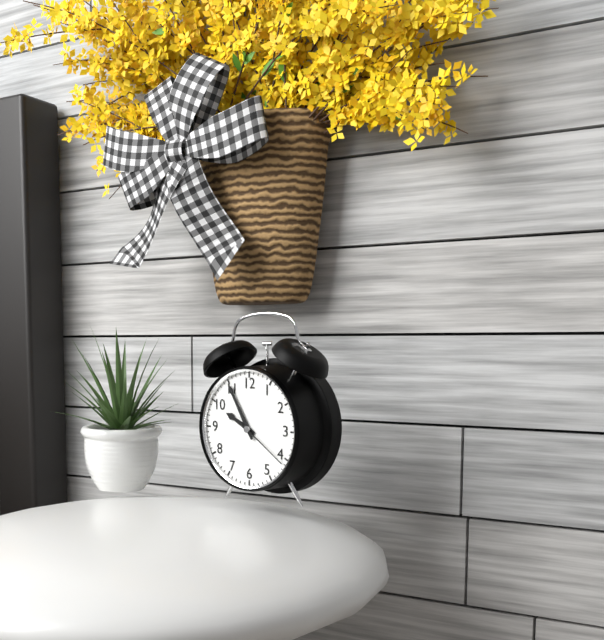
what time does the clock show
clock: 9:55:21
